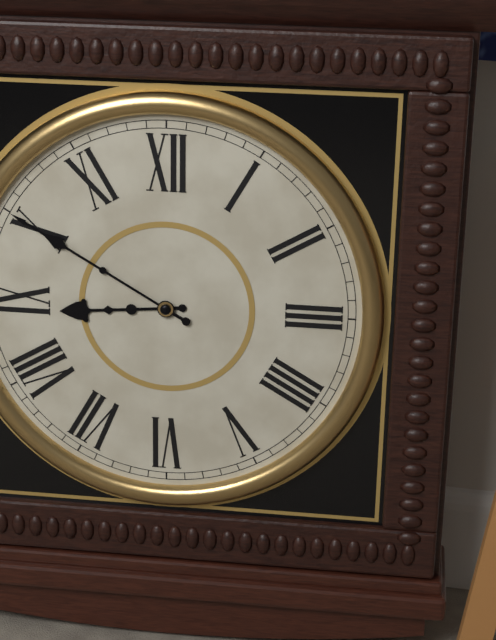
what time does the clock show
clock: 8:50
